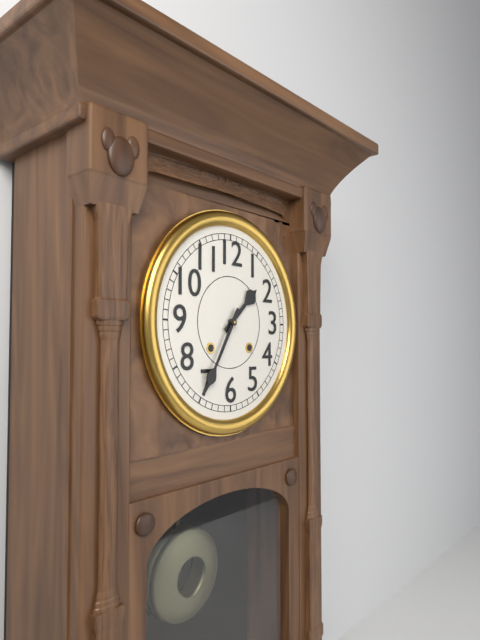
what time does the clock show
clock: 1:35
